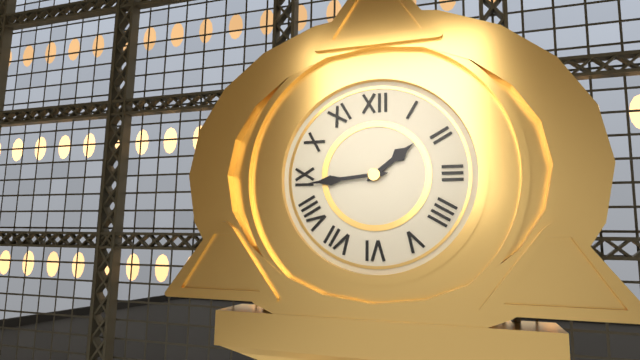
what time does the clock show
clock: 1:44
